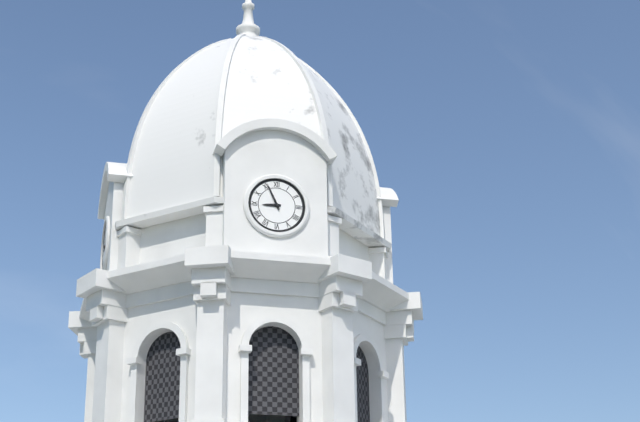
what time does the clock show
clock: 8:56
